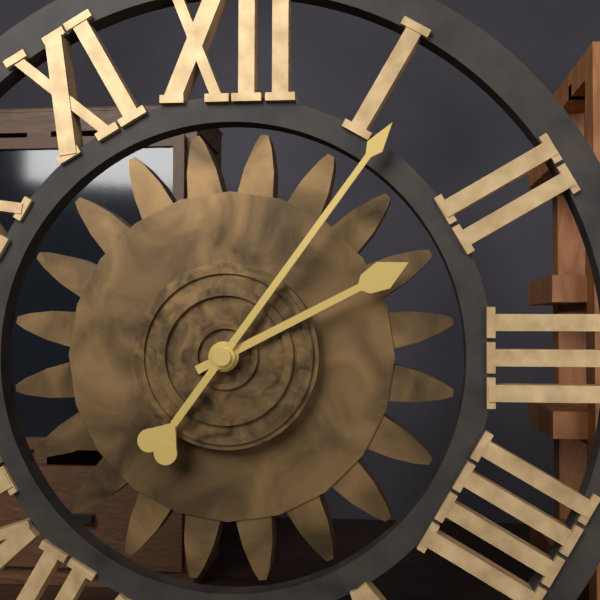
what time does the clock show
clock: 2:06
